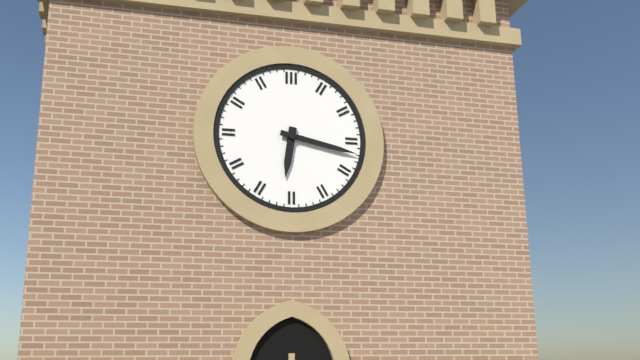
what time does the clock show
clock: 6:17
